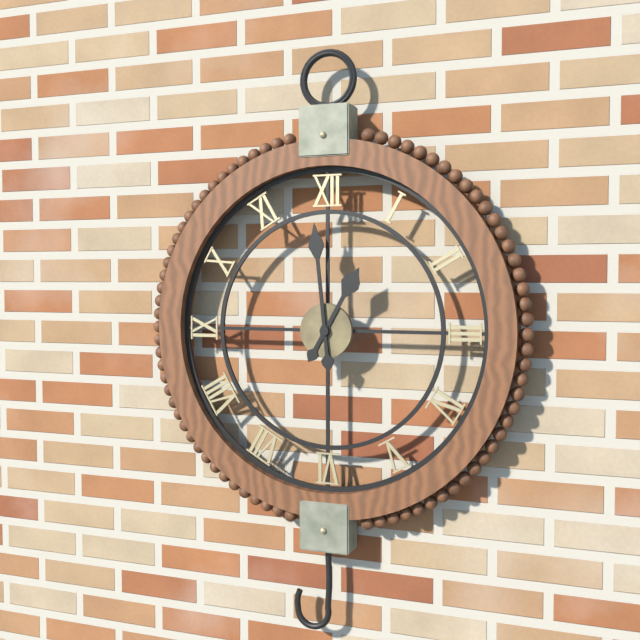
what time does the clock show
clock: 12:59
